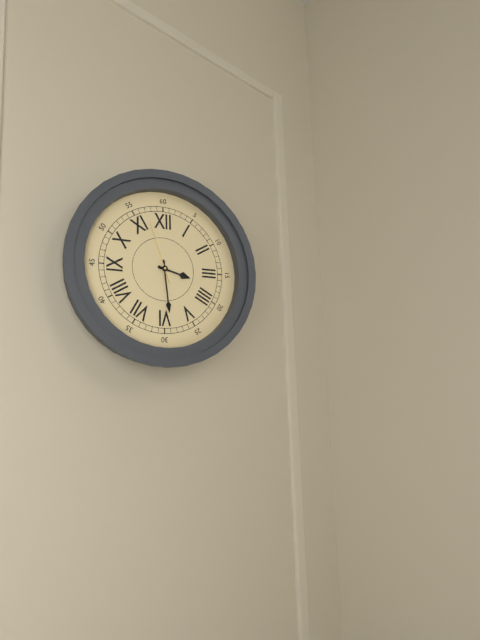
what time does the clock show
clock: 3:29:57
